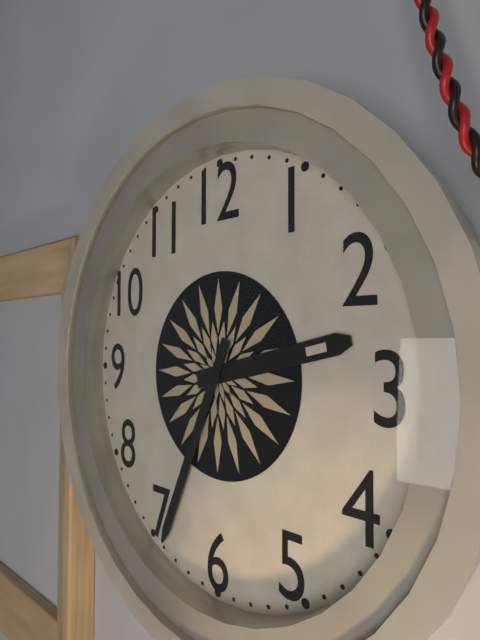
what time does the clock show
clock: 2:34
